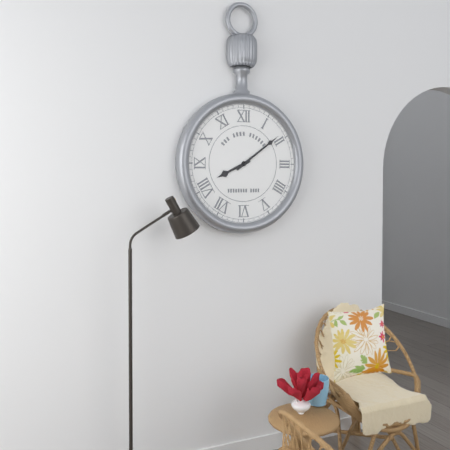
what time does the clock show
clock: 8:09
